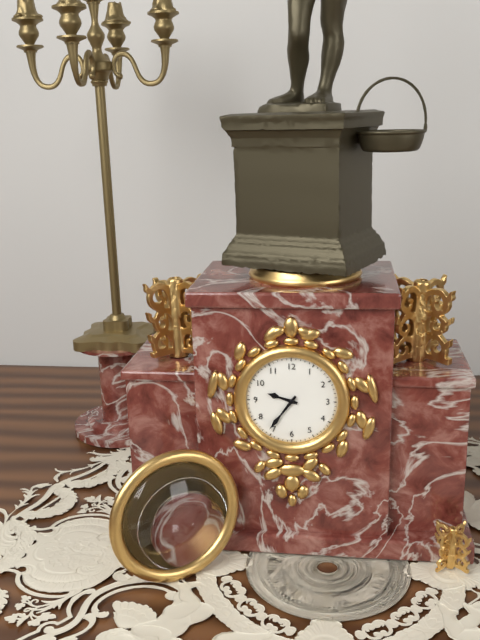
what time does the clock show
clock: 9:36
